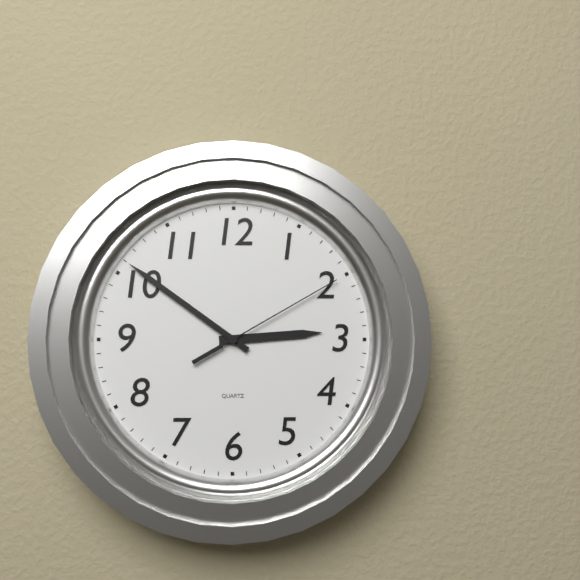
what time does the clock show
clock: 2:51:10
